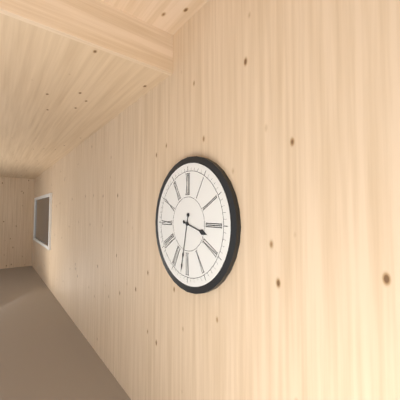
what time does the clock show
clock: 3:32
